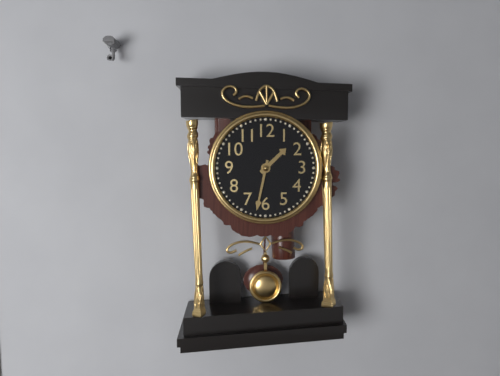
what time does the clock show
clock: 1:32
